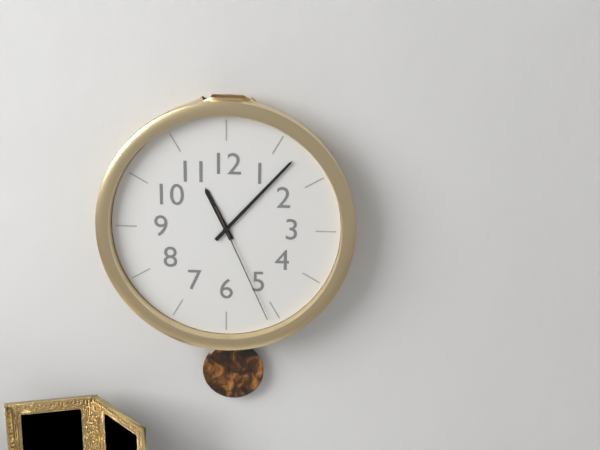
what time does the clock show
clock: 11:07:26
